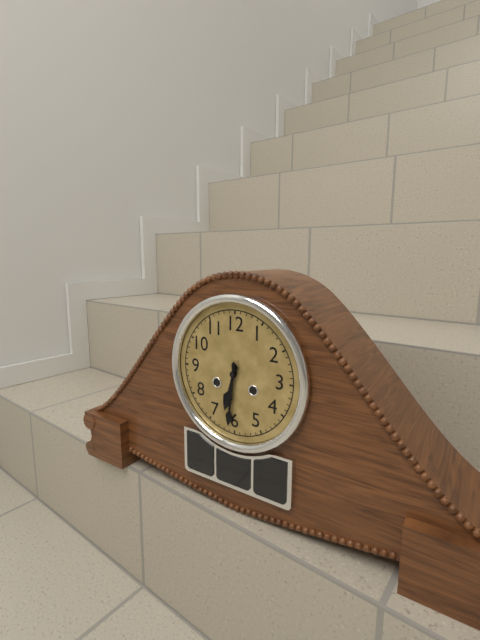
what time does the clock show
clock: 6:31
